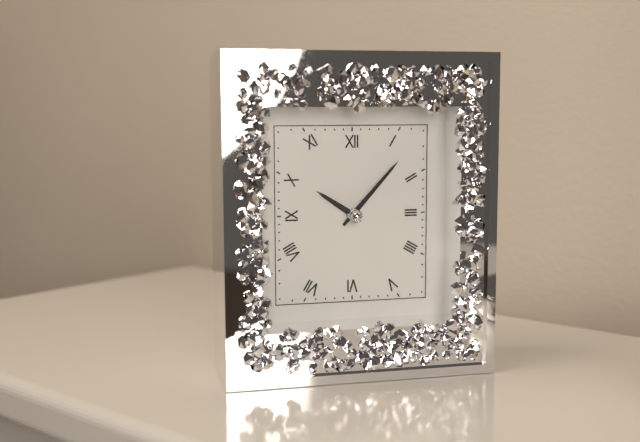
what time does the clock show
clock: 10:07
